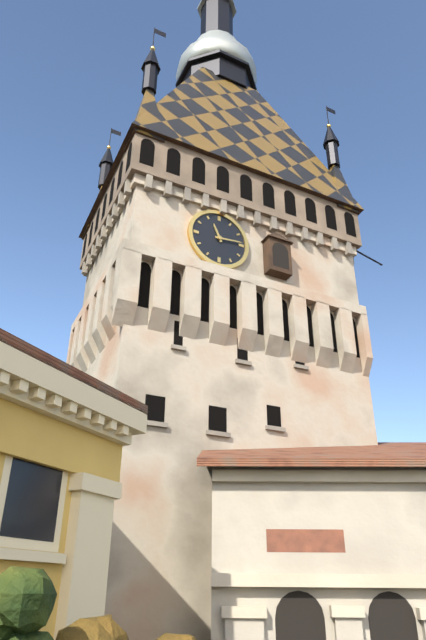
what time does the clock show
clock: 11:14
